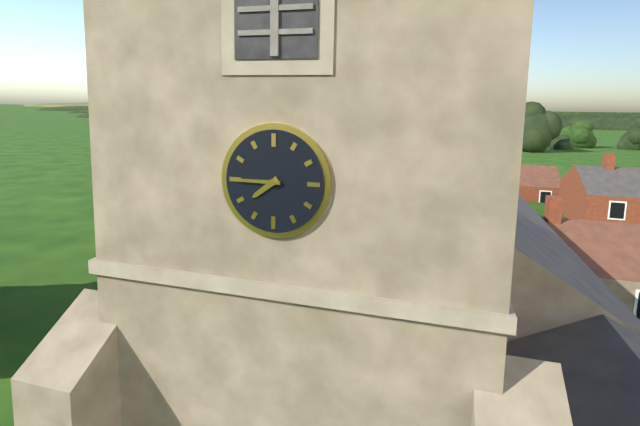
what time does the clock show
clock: 7:45
